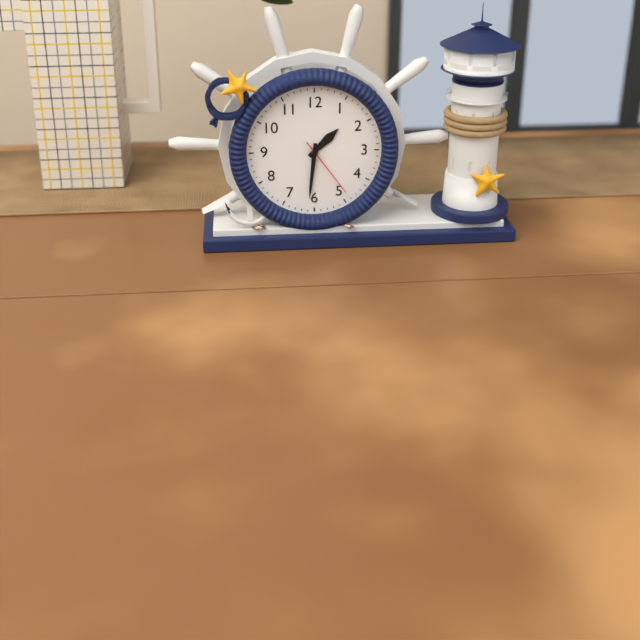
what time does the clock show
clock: 1:31:24
